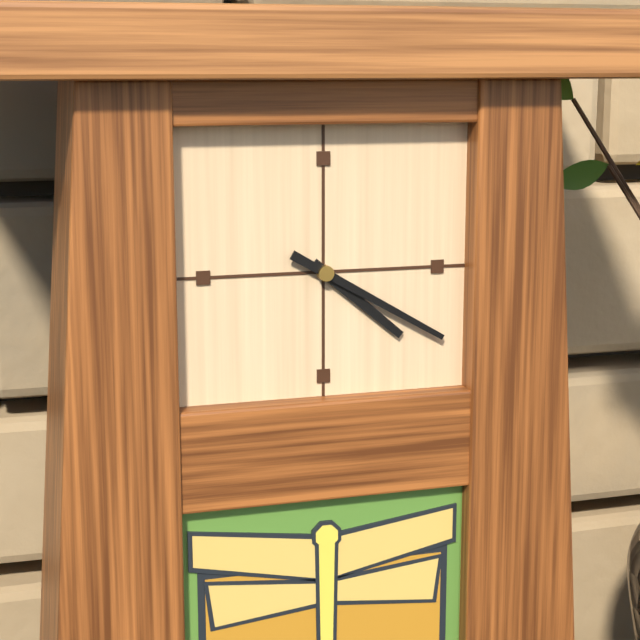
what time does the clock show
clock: 4:20
